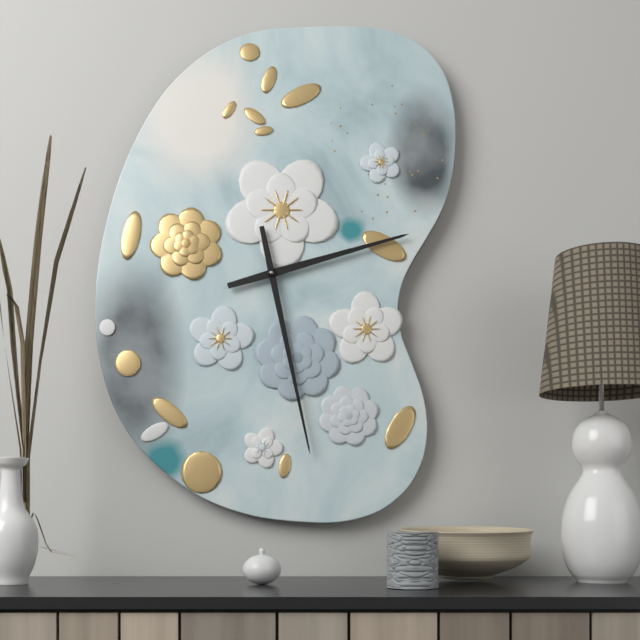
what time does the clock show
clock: 2:28
